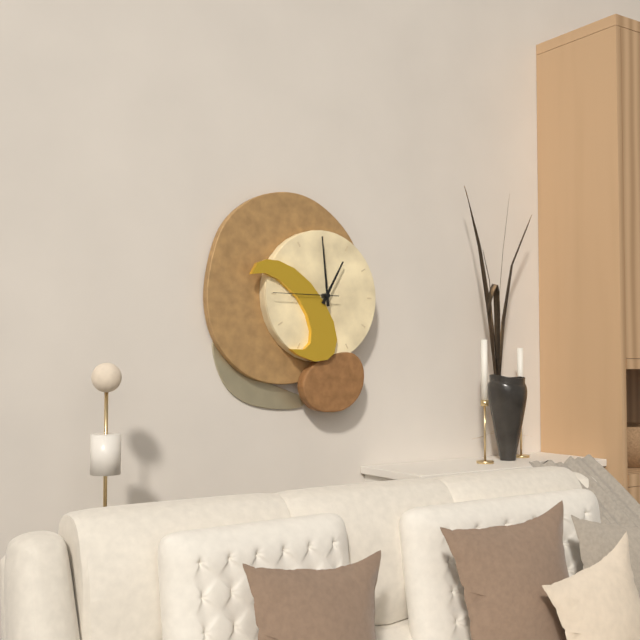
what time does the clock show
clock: 12:59:45
